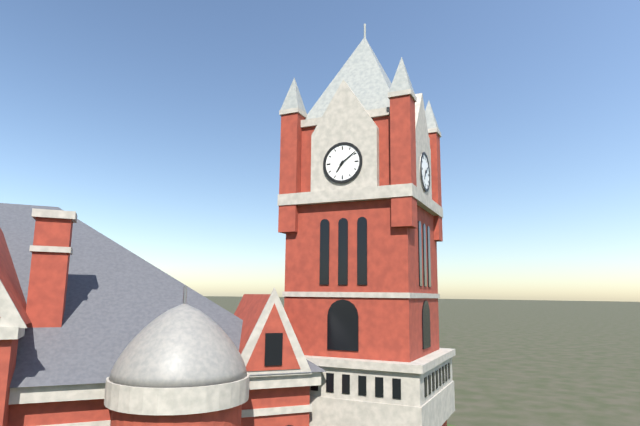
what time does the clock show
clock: 7:09
